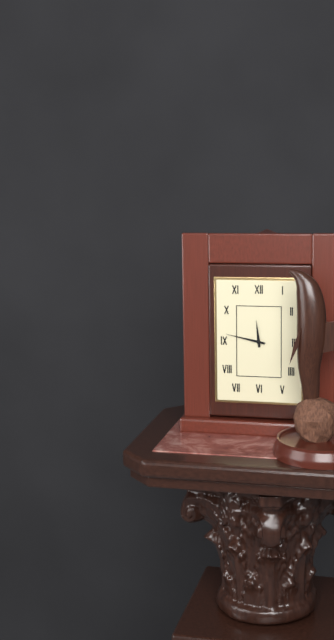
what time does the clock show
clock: 11:47
